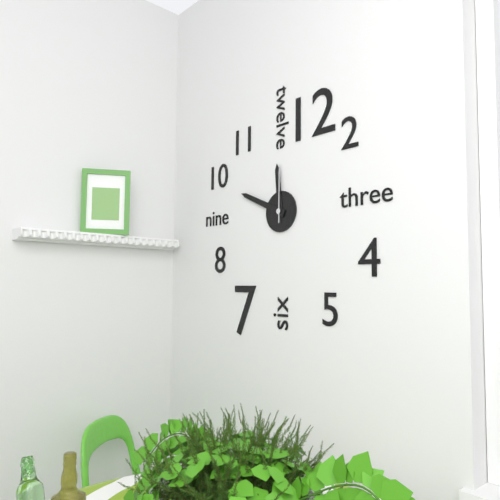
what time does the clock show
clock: 11:49:00
